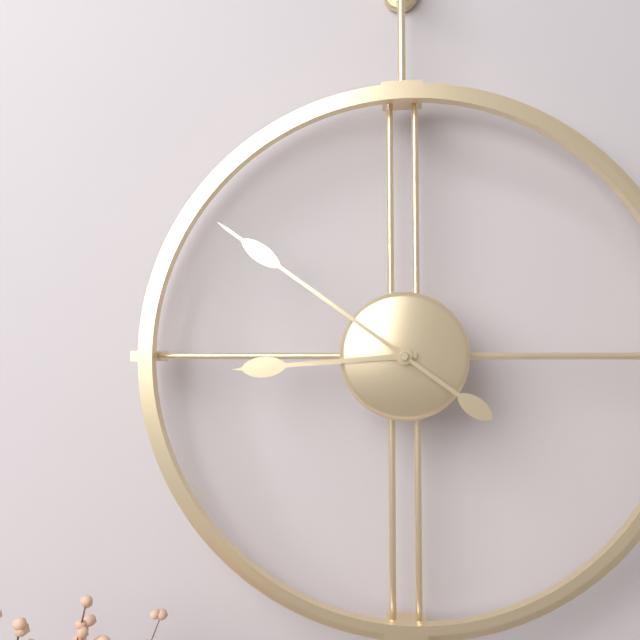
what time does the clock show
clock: 8:51
